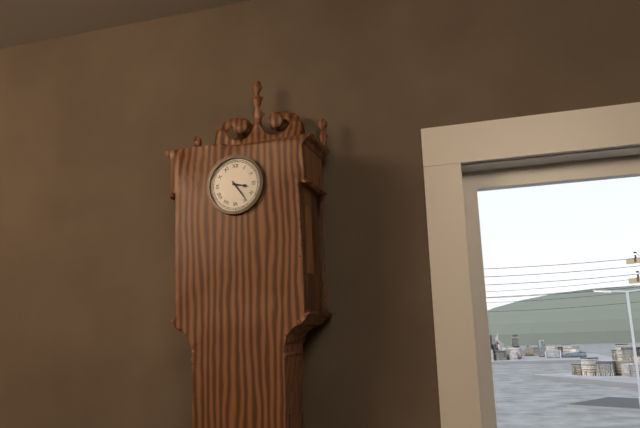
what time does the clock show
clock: 3:24
